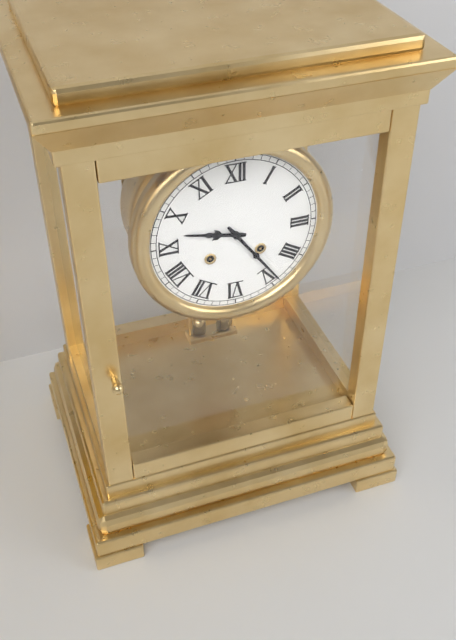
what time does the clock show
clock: 9:24
